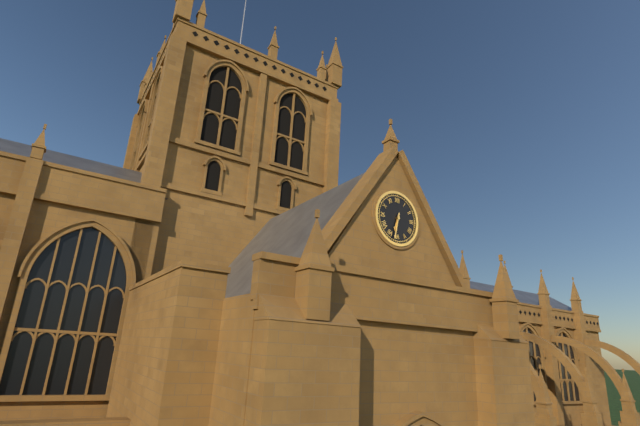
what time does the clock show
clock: 6:32
